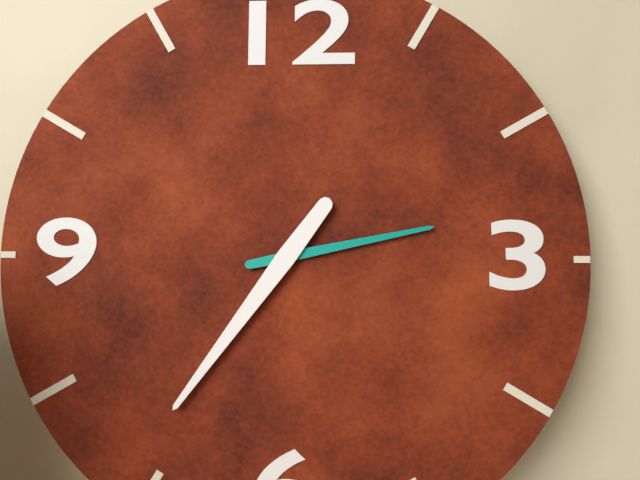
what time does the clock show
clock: 2:36
